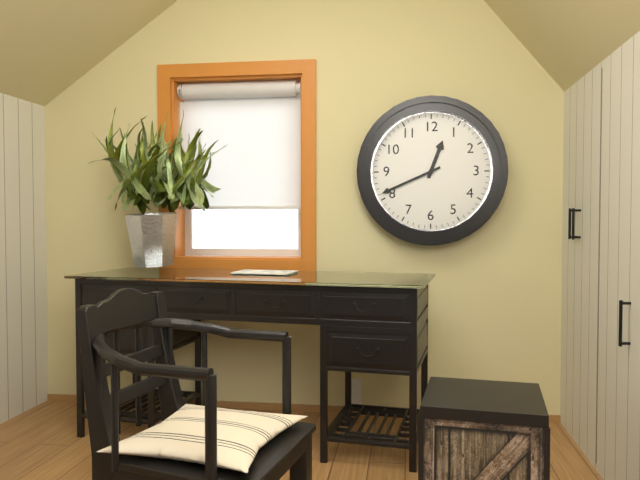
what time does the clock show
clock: 12:41
